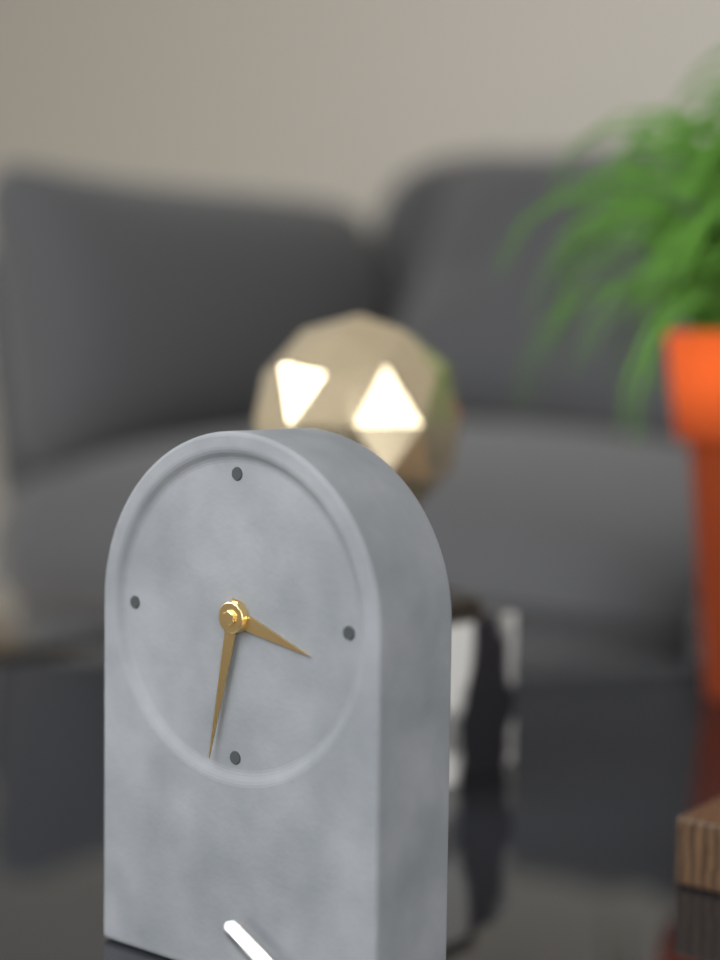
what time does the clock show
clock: 3:32
